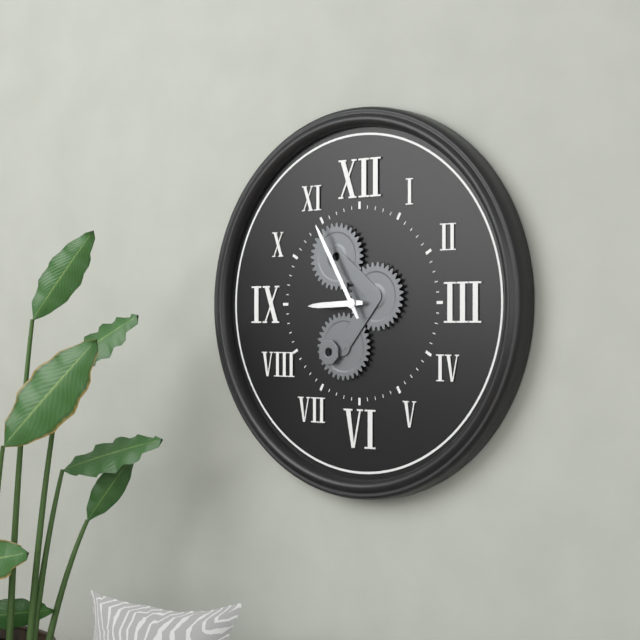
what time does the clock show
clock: 8:55
